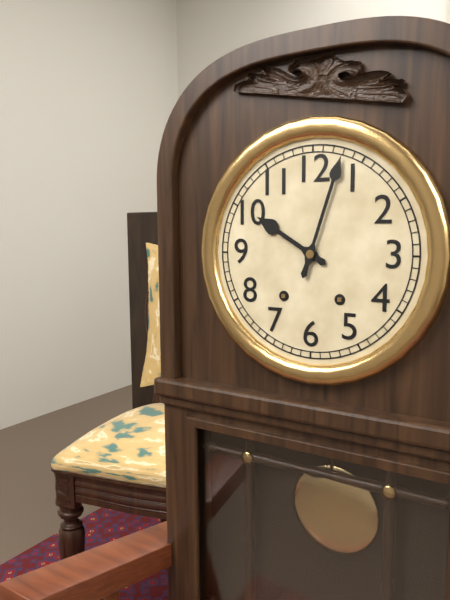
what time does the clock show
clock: 10:03
